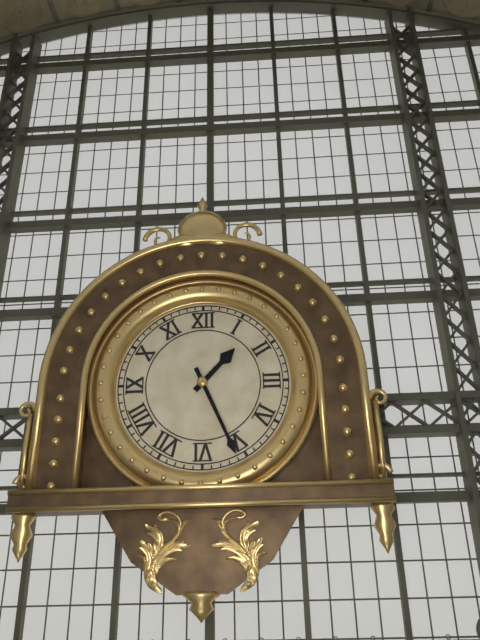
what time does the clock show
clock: 1:26
